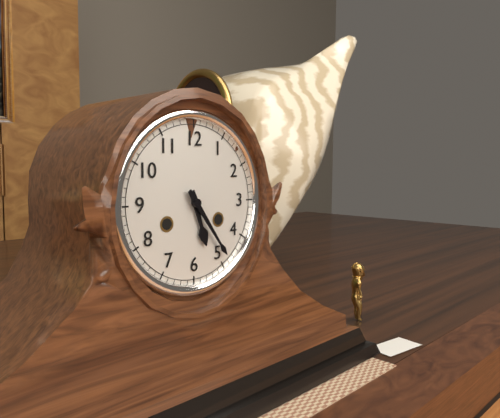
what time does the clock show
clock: 5:24
